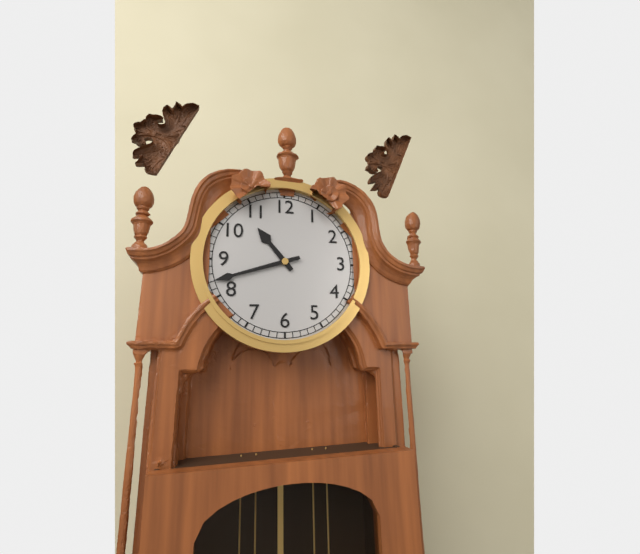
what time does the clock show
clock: 10:42
